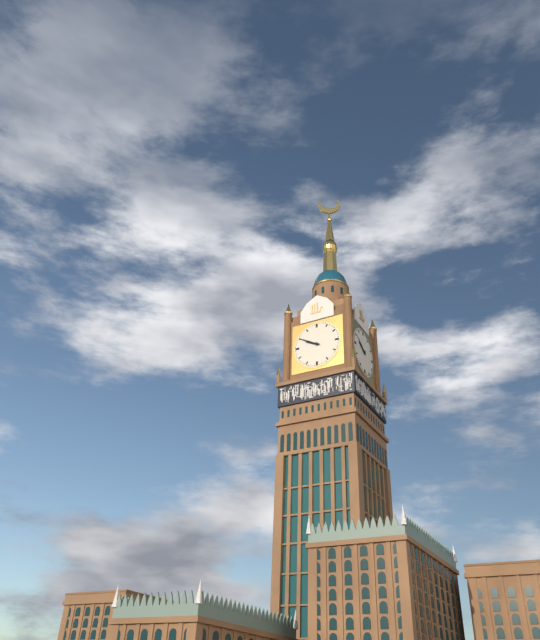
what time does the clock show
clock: 9:50
